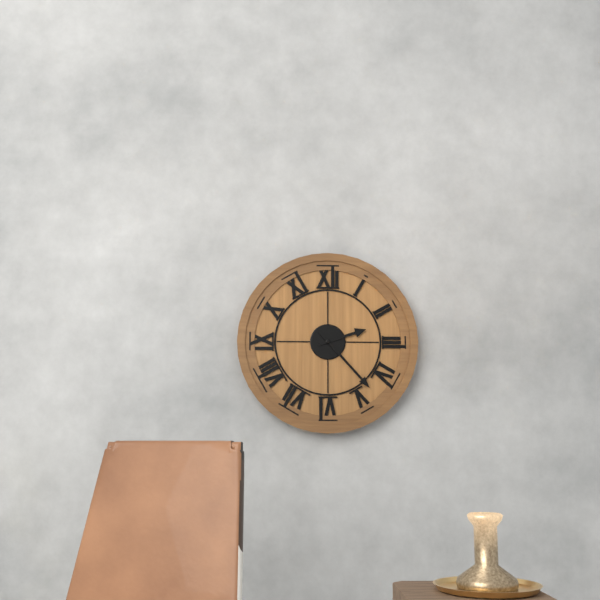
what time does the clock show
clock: 2:23
